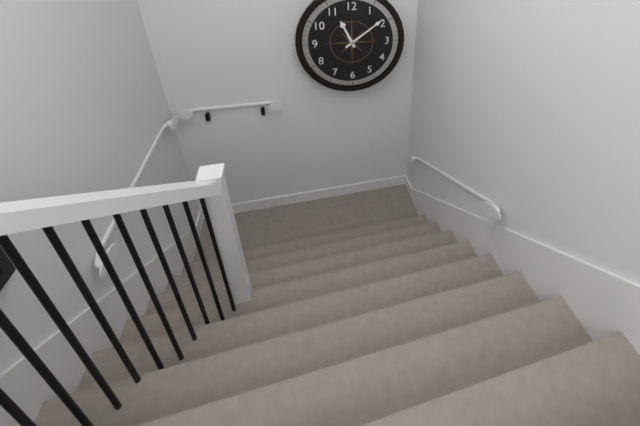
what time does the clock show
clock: 11:09
